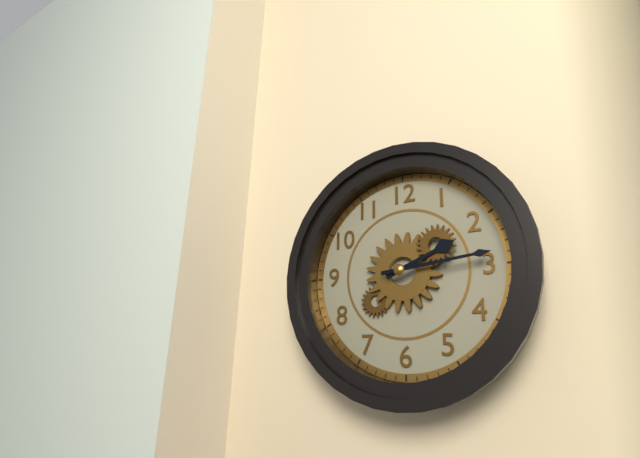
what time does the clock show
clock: 2:14
